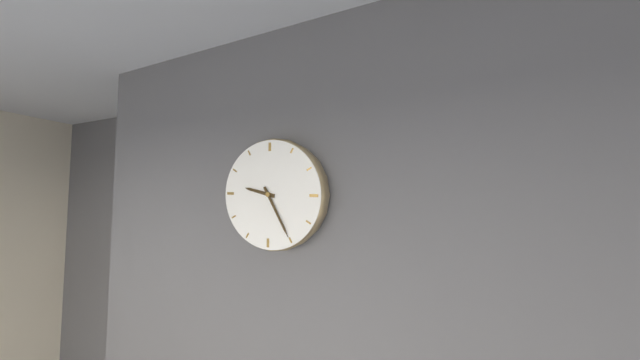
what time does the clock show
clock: 9:25
